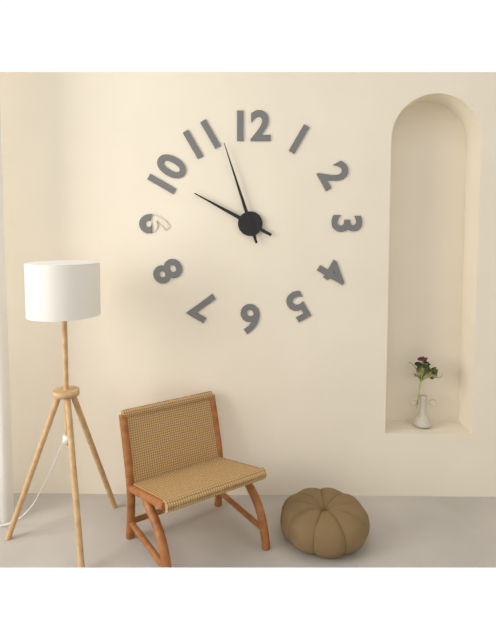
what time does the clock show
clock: 9:57
